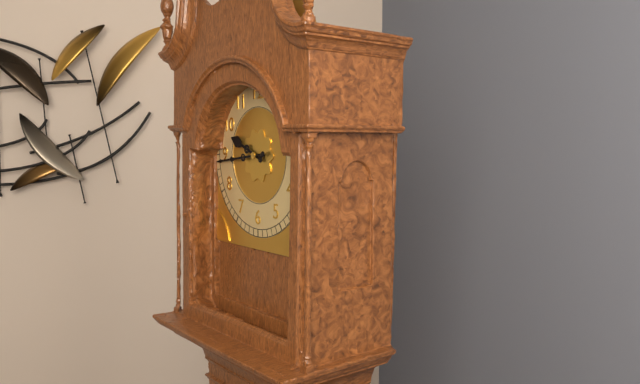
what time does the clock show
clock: 9:44
